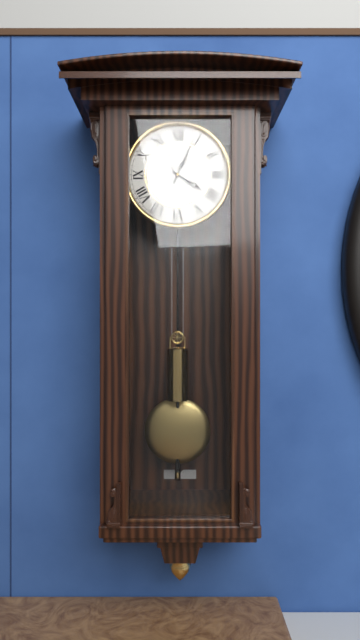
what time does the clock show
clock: 4:04
